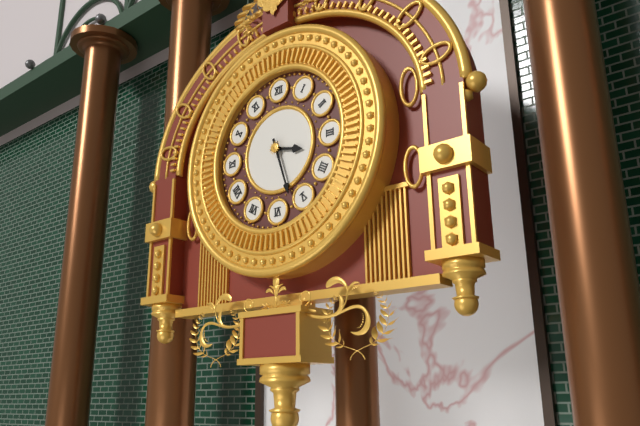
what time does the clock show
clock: 3:27
